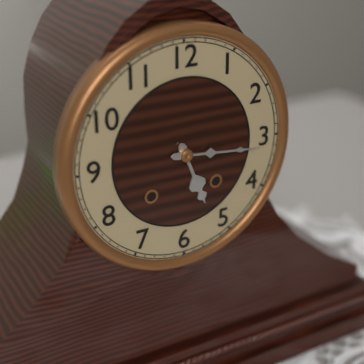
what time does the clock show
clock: 5:16
